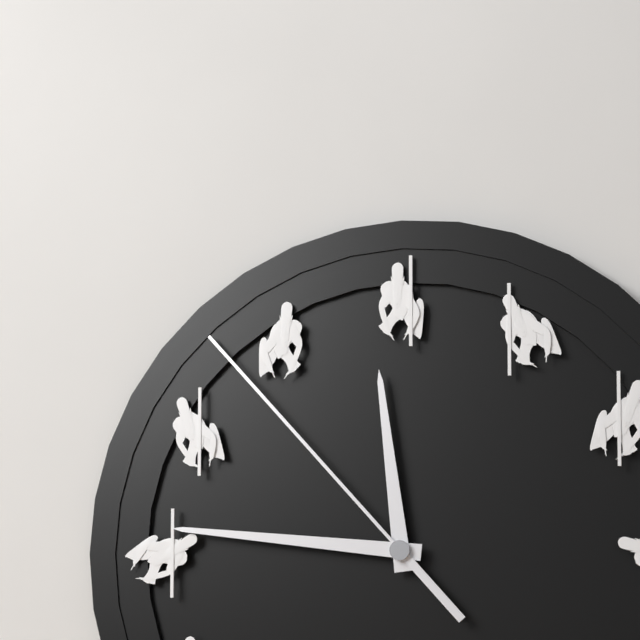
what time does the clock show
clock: 11:46:53
